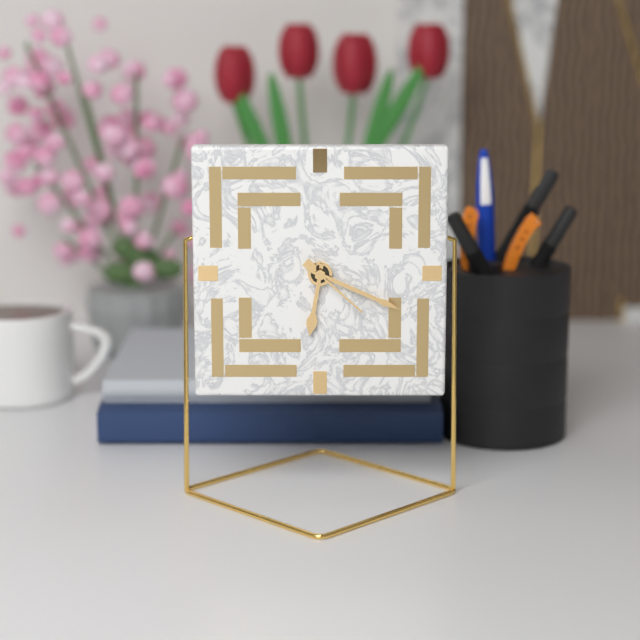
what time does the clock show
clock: 6:19:22
